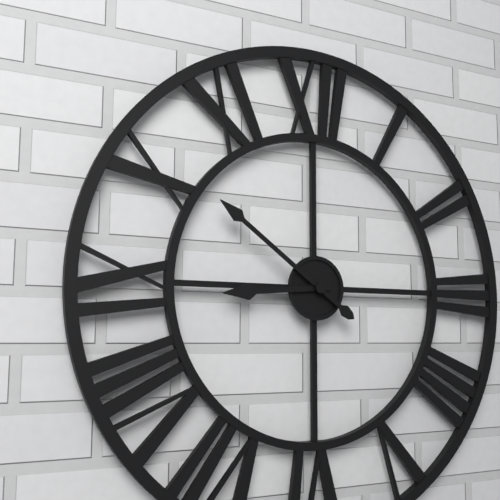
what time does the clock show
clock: 8:51
